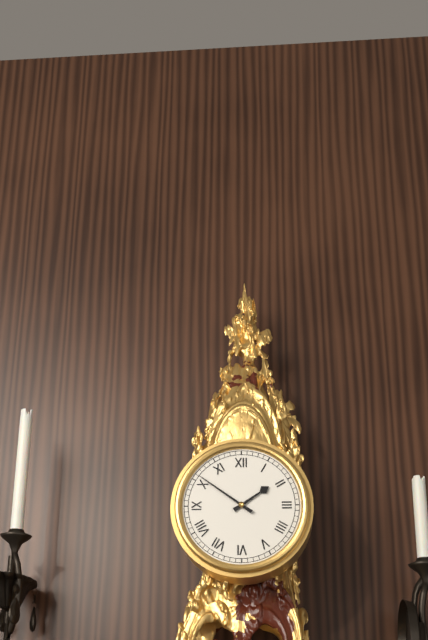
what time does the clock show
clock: 1:51
